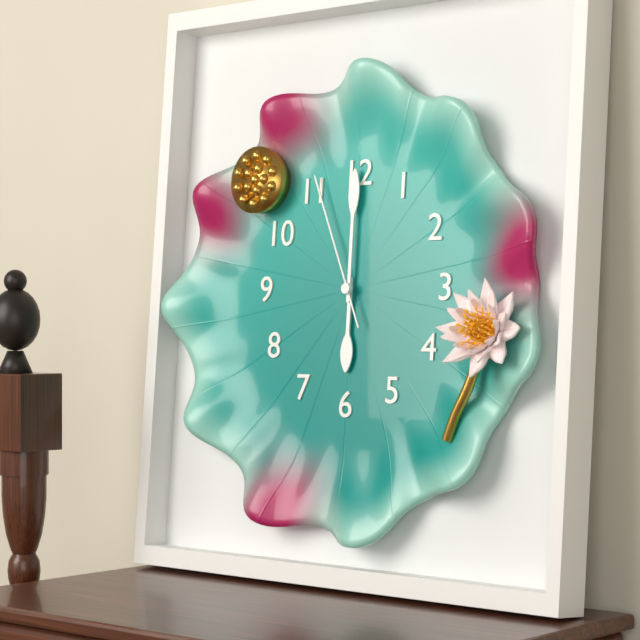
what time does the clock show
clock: 6:00:56
